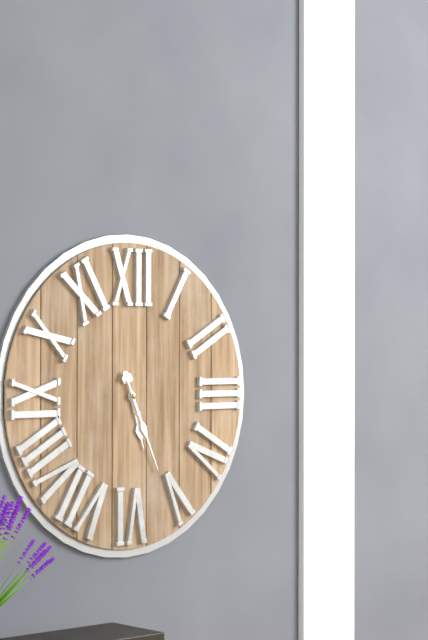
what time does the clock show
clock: 5:26
